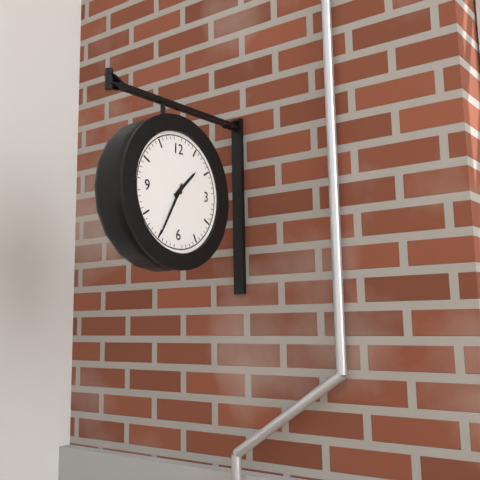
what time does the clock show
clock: 1:35
